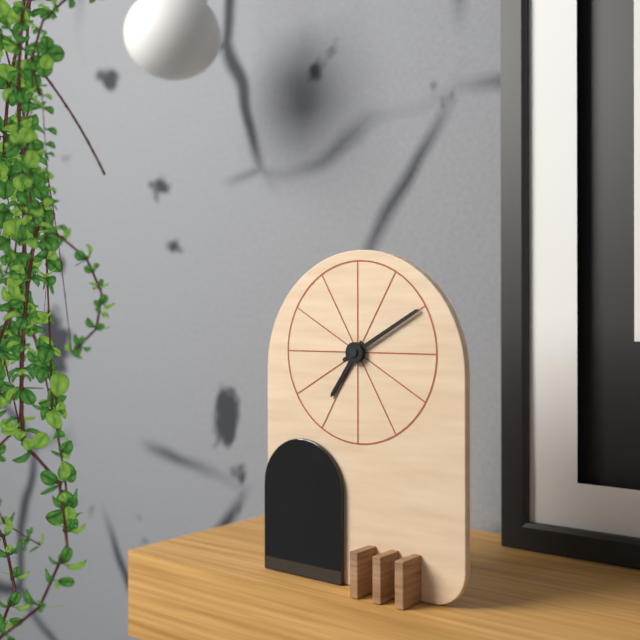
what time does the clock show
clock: 7:10
